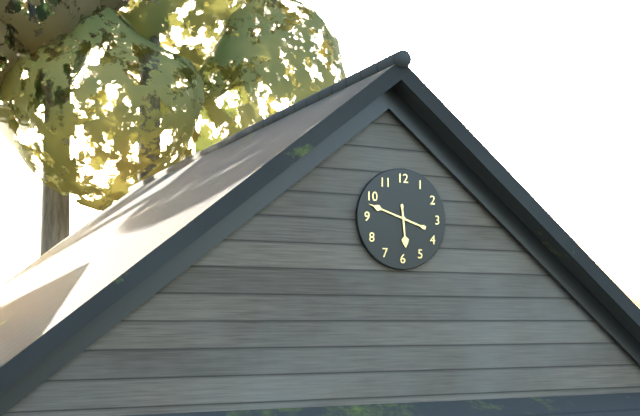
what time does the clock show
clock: 5:48
